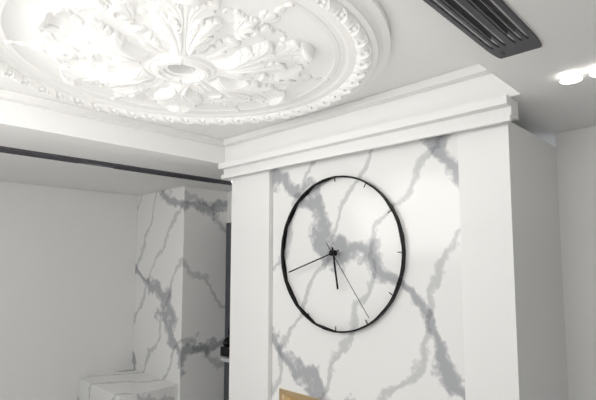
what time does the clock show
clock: 5:42:24
